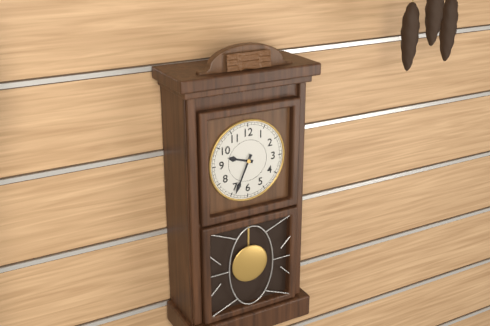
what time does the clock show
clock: 9:34
